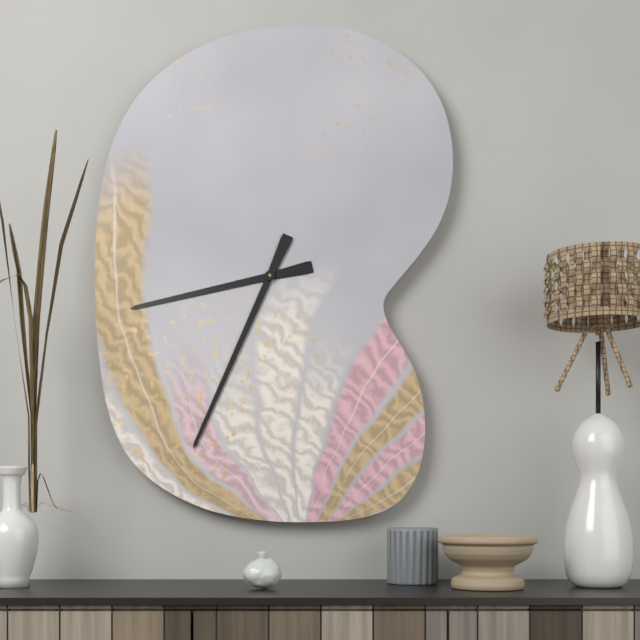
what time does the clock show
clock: 8:34
